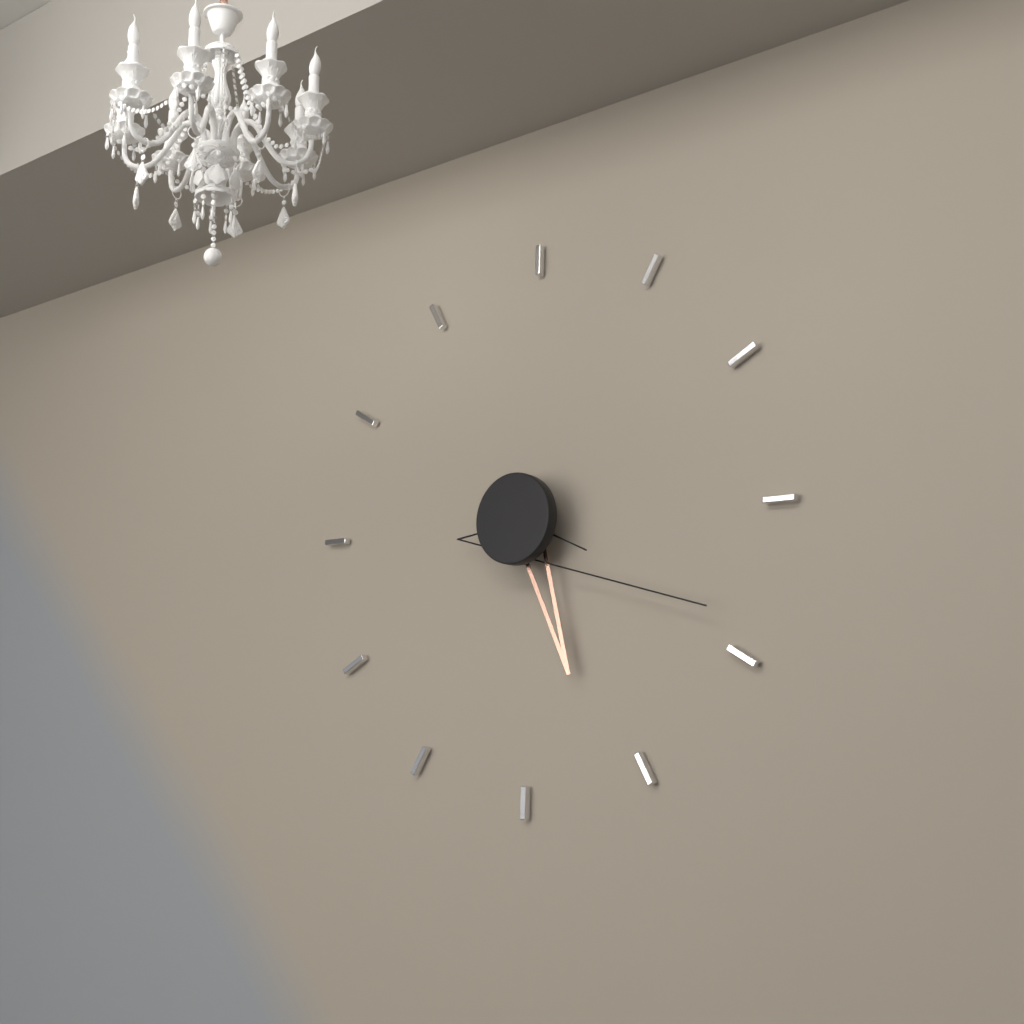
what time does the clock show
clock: 5:19
